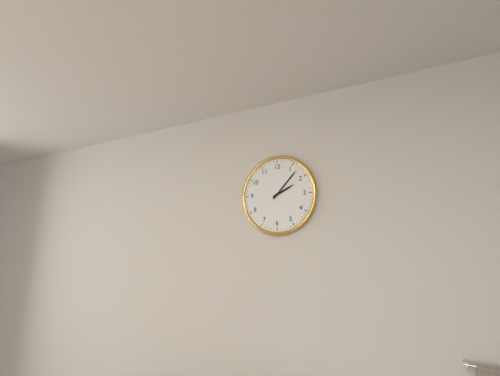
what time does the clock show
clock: 2:07
